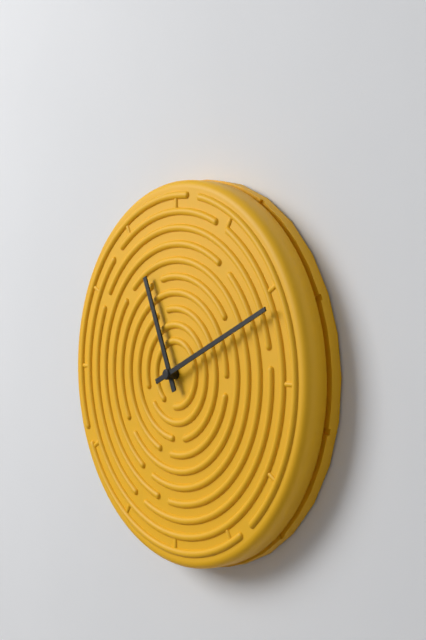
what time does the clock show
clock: 11:11
